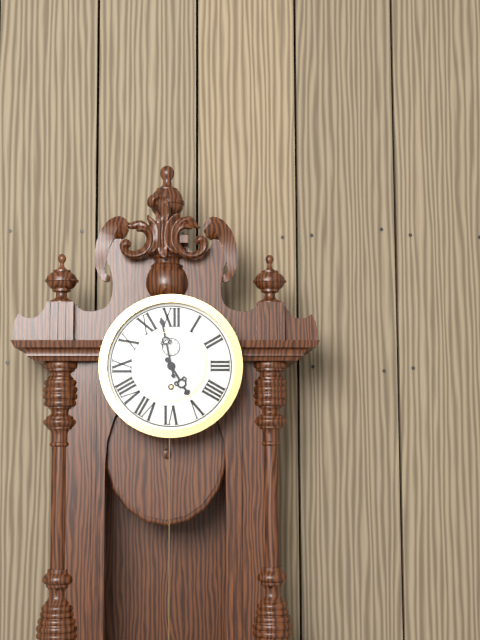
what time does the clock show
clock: 4:58
